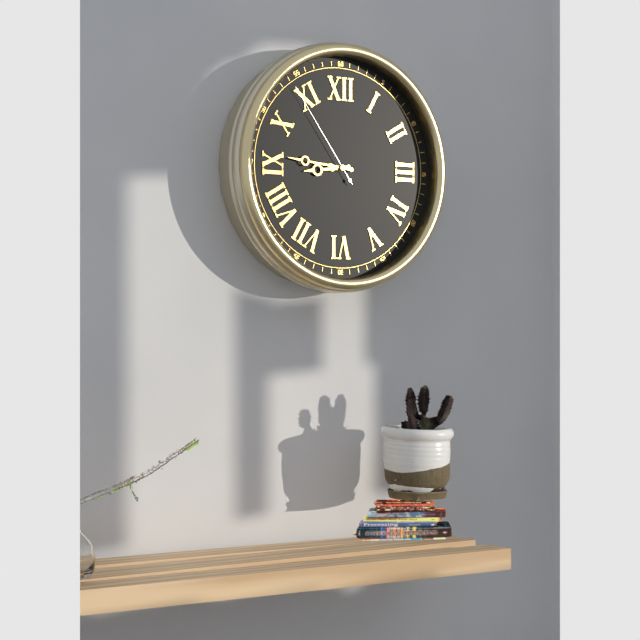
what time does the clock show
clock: 8:46:54
